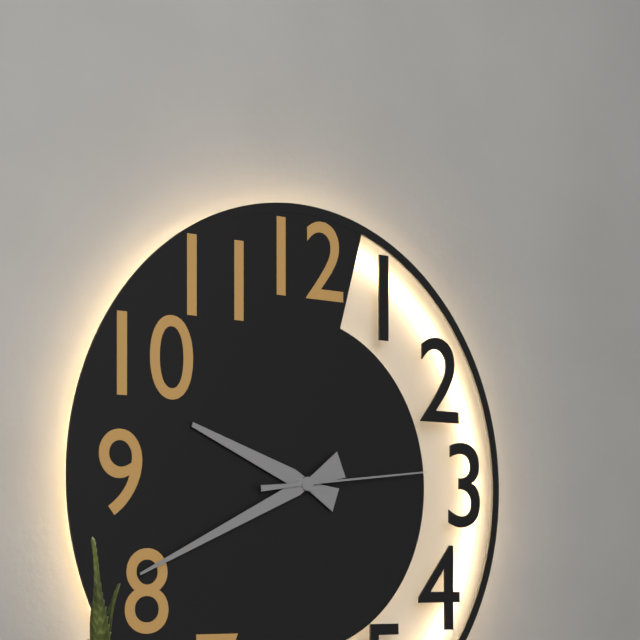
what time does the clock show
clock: 9:41:14
